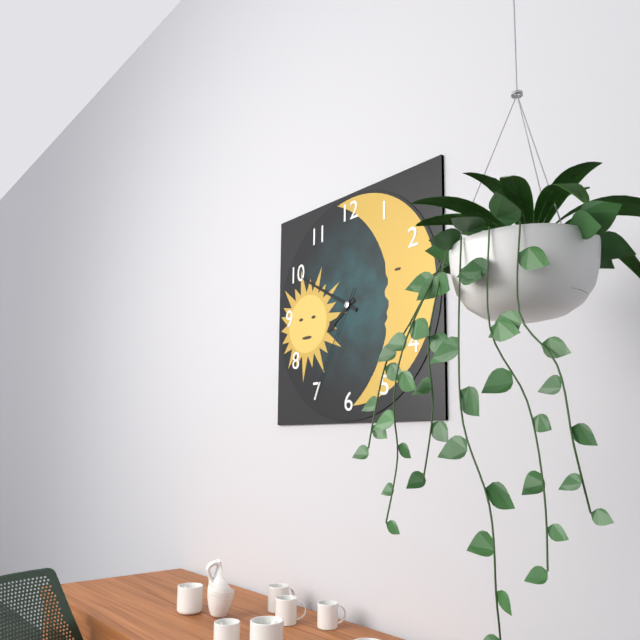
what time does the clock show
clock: 7:50:35
